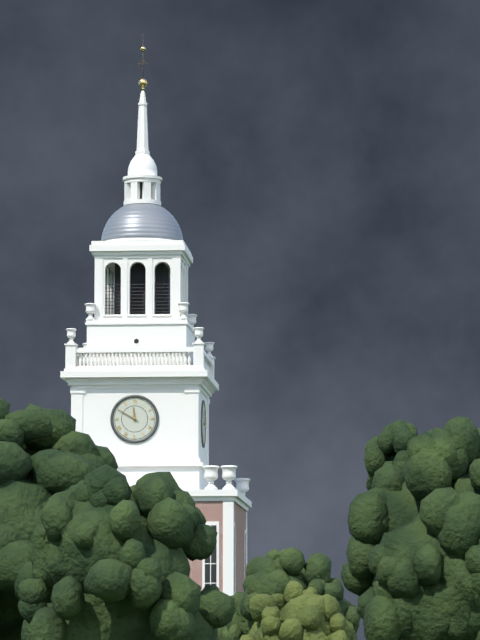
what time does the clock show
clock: 11:50
